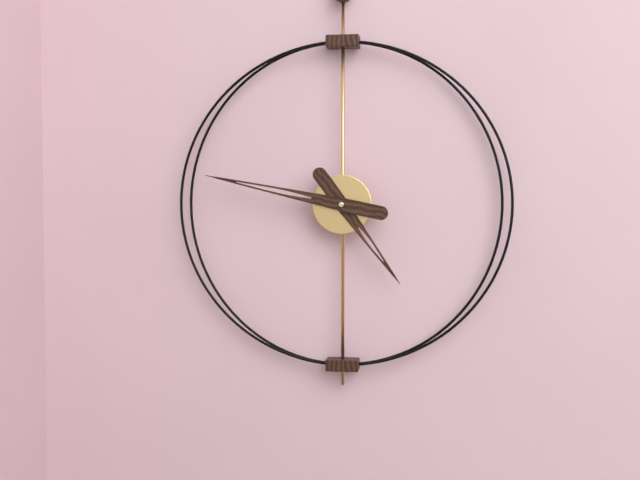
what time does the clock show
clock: 4:47
